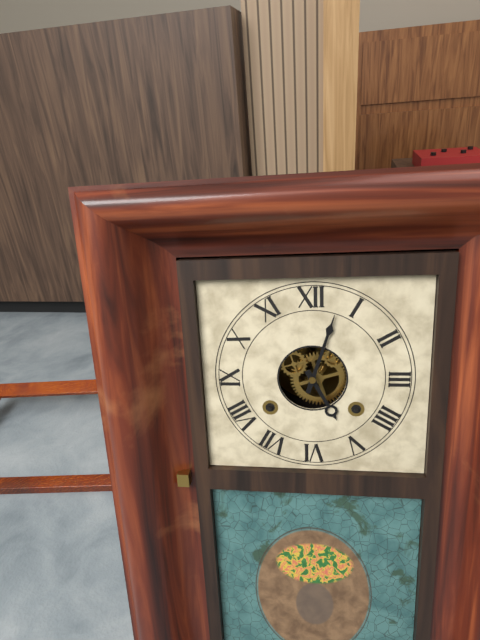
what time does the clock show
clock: 5:03
